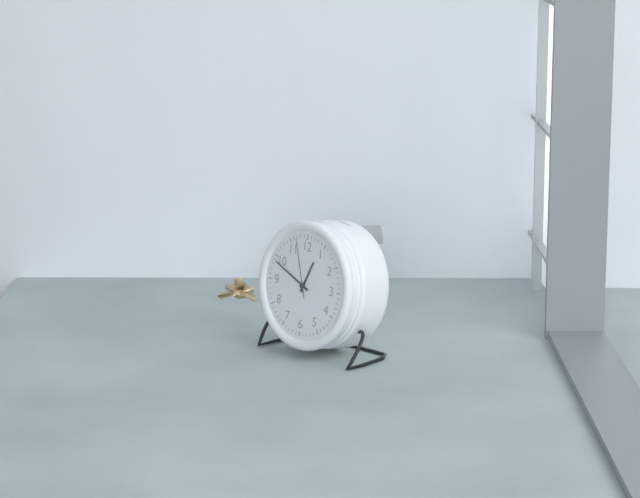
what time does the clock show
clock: 12:49:57
